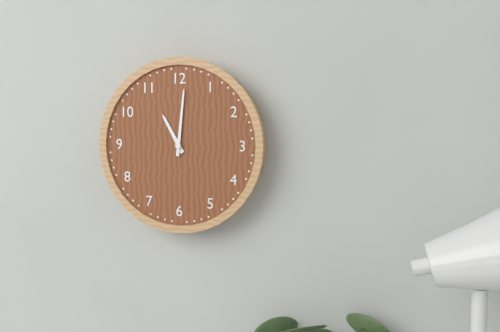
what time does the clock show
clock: 11:01
